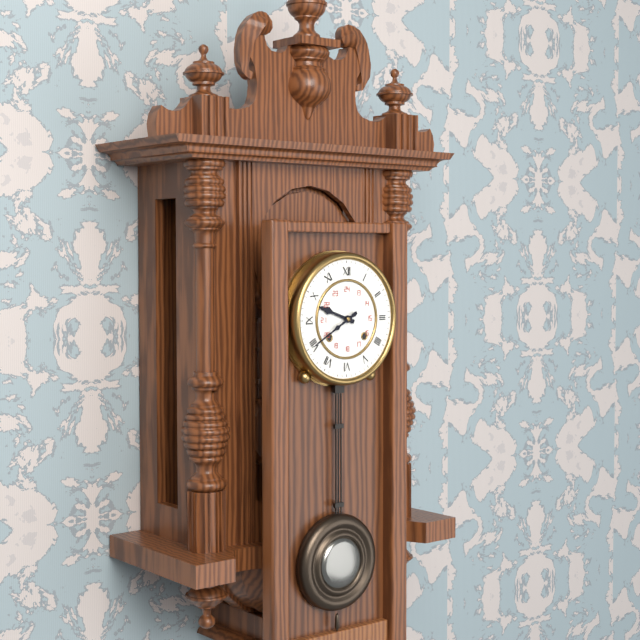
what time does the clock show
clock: 9:40
